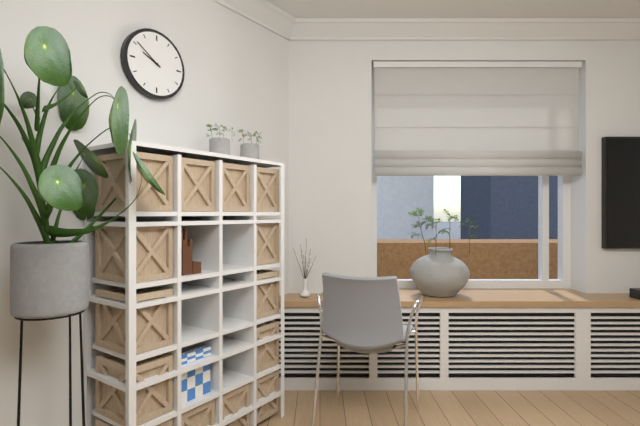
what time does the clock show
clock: 9:51
